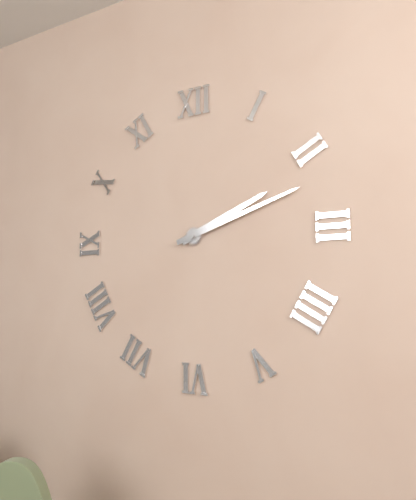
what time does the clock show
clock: 2:12
